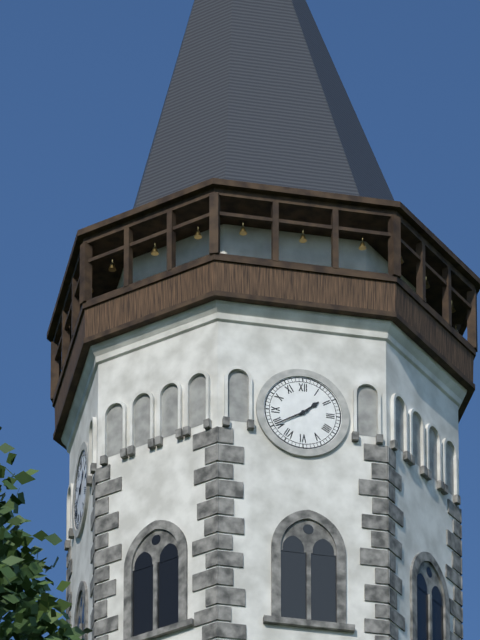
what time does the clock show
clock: 1:40
